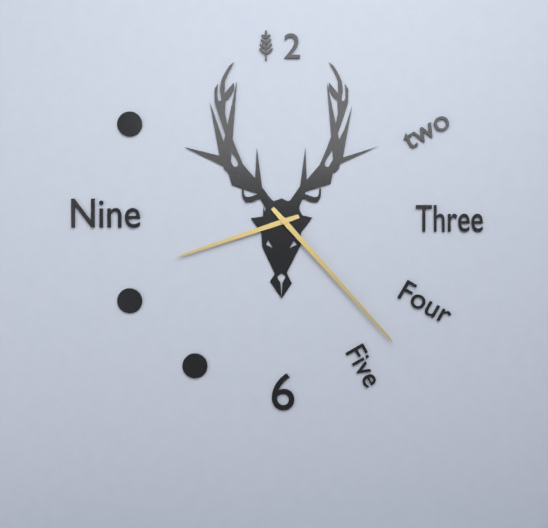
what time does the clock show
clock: 8:23
